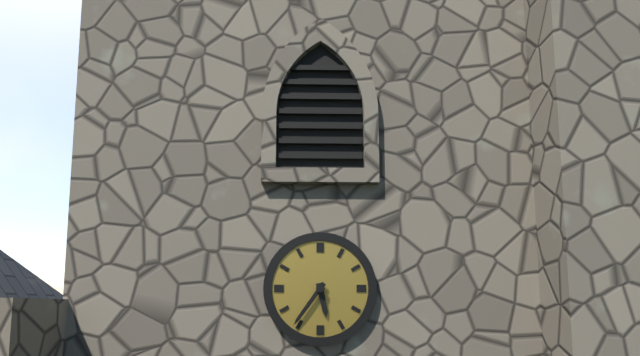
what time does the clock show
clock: 5:36
